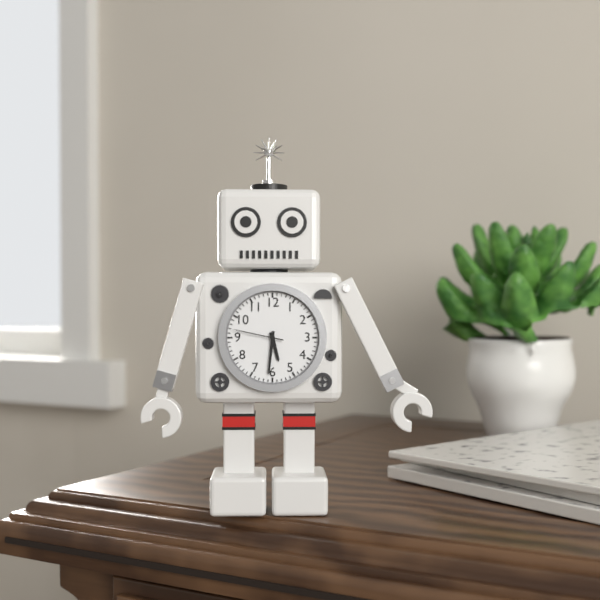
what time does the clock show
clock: 5:31:47
